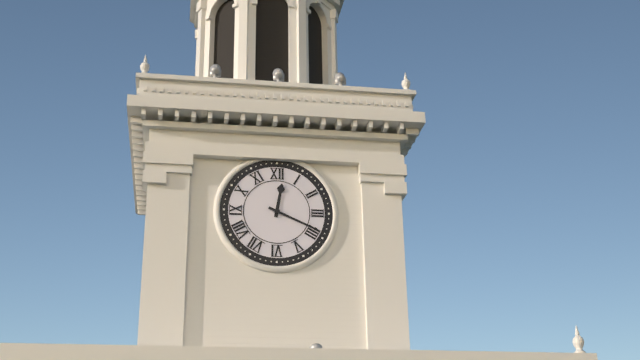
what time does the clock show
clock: 12:19
